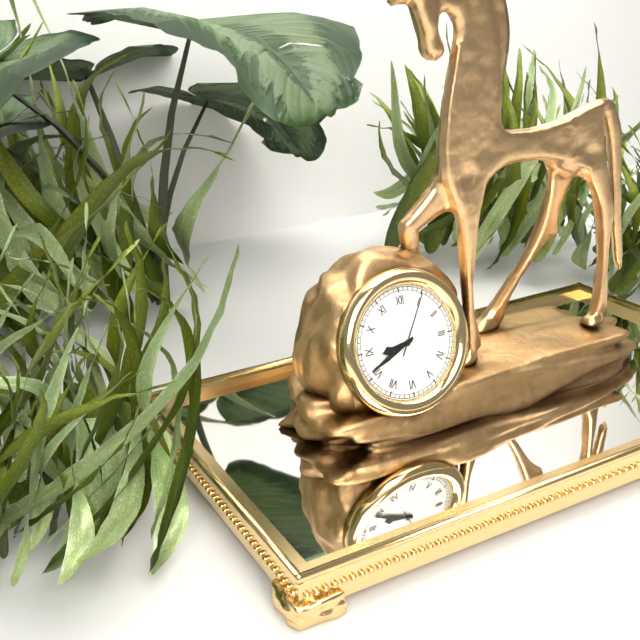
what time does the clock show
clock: 8:41:05
